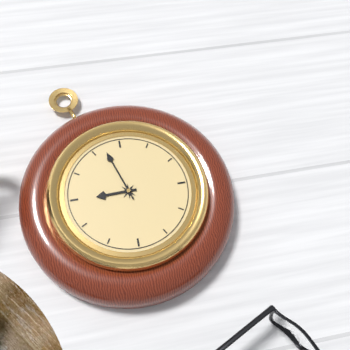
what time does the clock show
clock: 8:57
